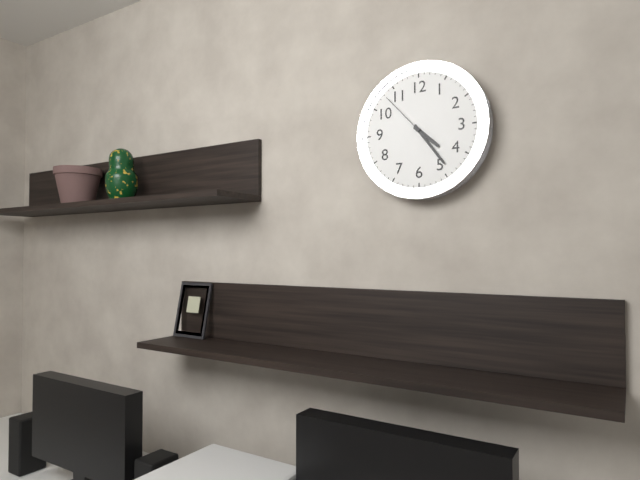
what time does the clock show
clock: 4:24:53
